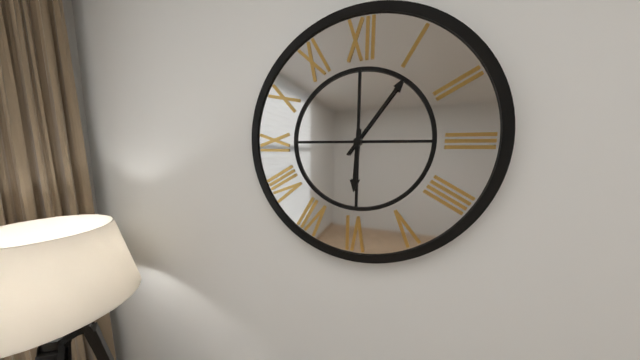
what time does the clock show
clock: 6:06
